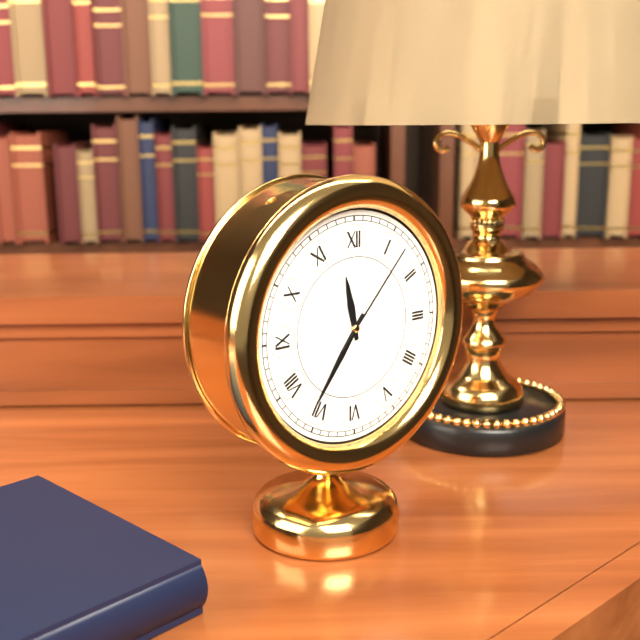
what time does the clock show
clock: 11:36:07
